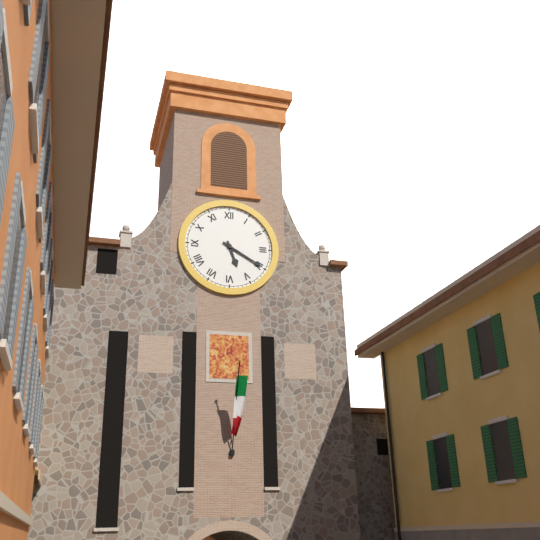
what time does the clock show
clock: 5:20
